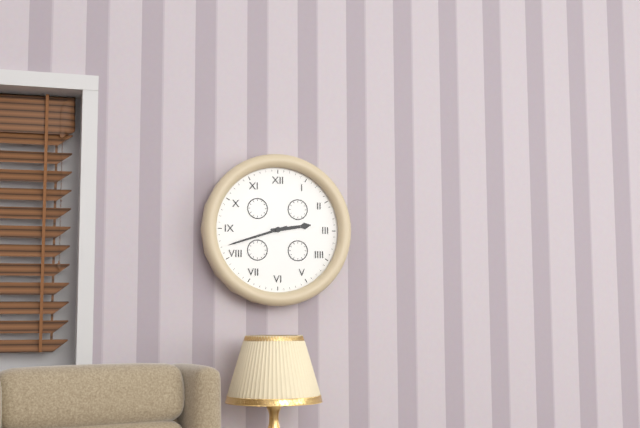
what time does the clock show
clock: 2:42
